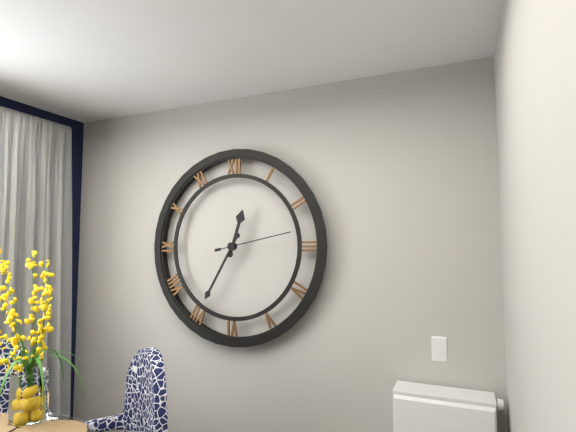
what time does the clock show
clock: 12:35:13
